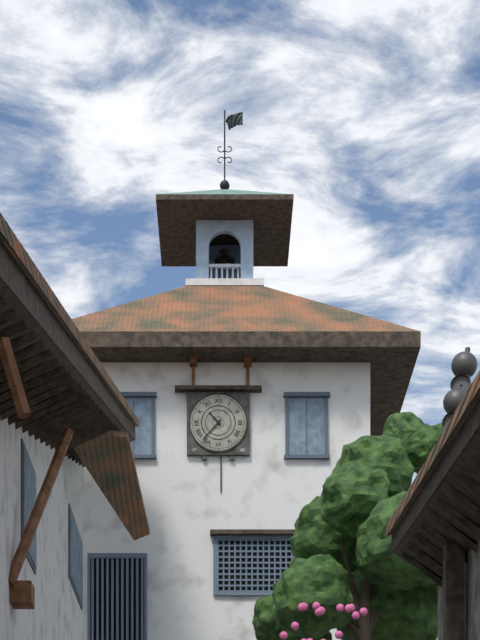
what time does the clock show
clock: 10:37
